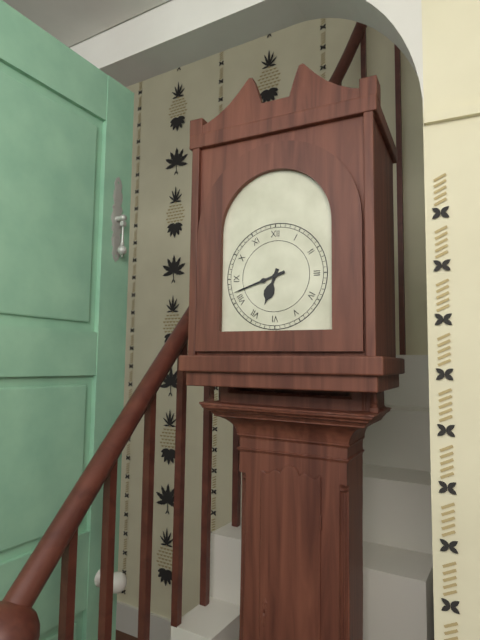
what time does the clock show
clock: 6:42
